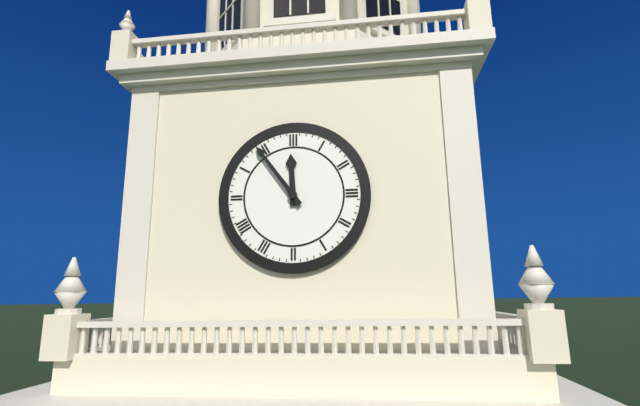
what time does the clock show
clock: 11:54
